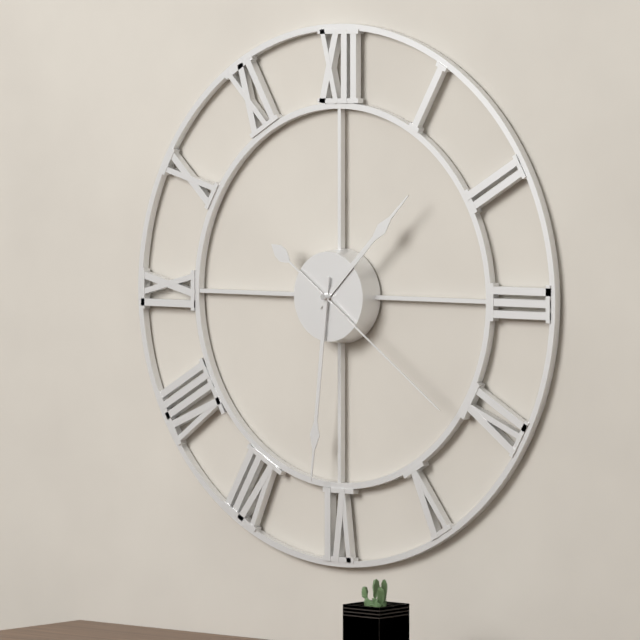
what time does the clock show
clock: 1:31:21
